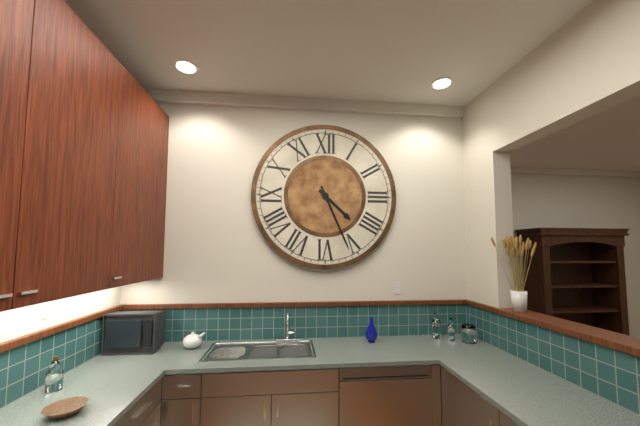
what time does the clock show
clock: 4:26
